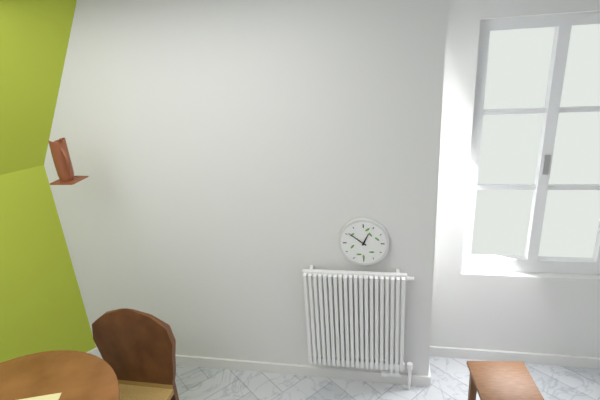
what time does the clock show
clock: 12:51
